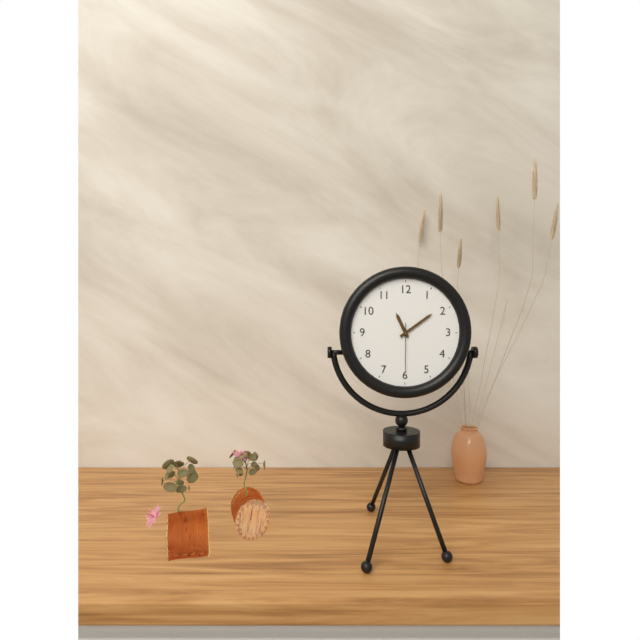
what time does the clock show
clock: 11:09
